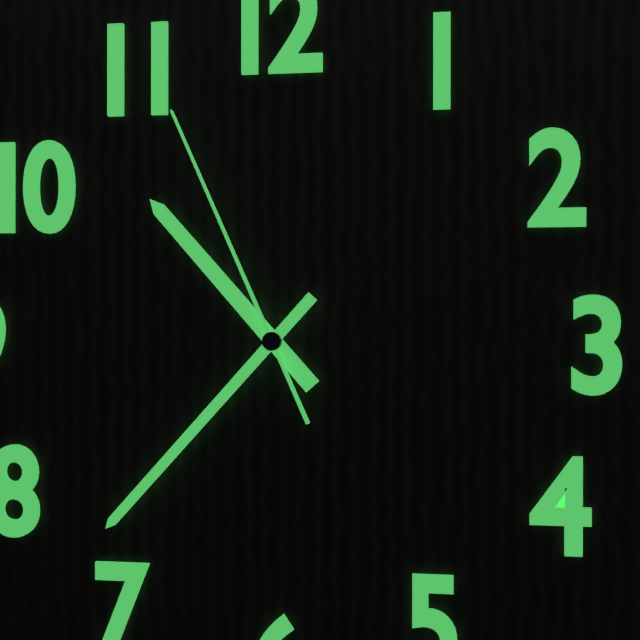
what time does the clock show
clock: 10:37:56
